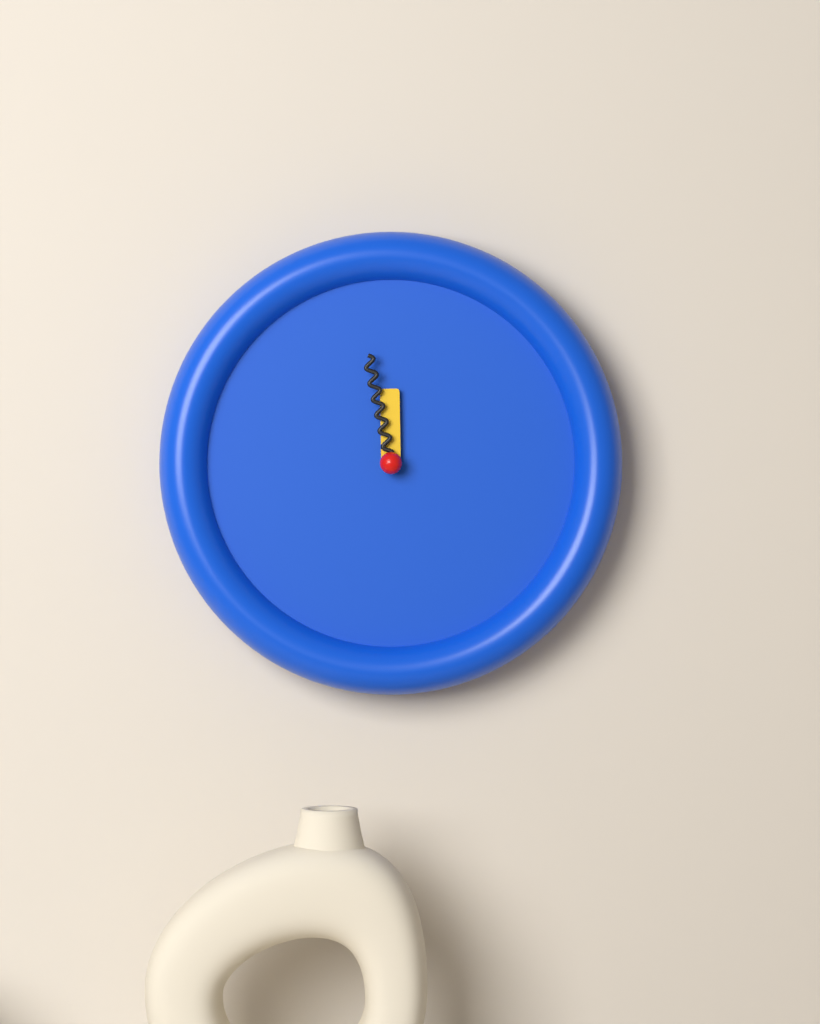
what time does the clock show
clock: 11:58
